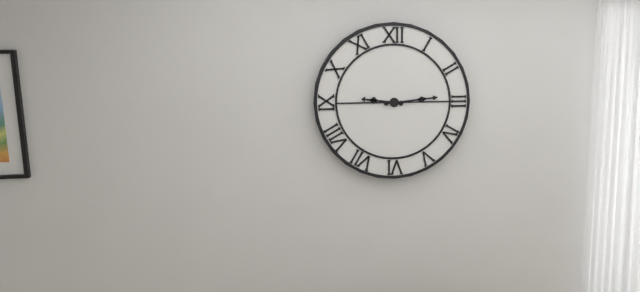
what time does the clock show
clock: 9:14
